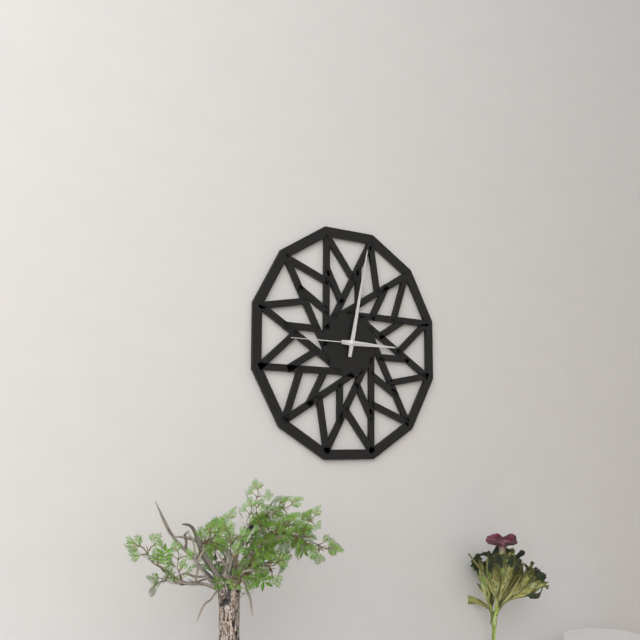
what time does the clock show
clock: 3:02:45
